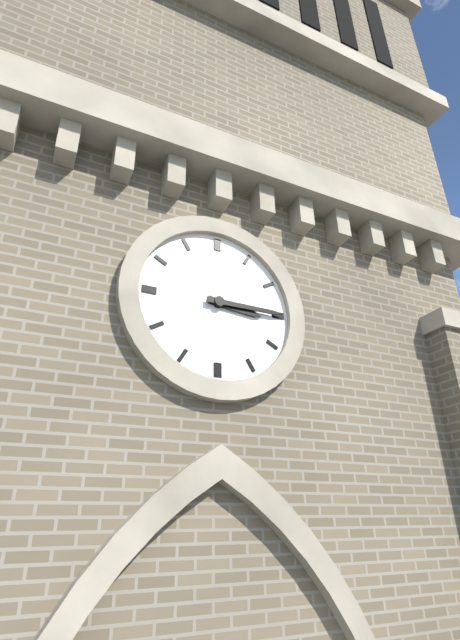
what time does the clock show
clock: 3:15
